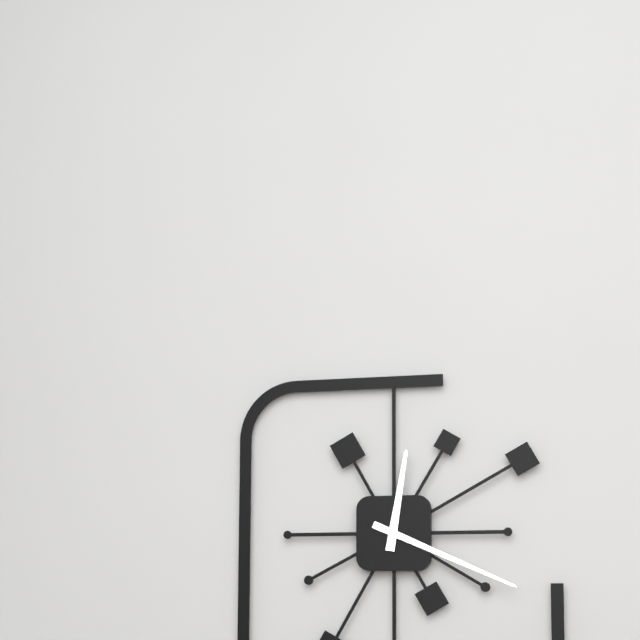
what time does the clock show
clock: 12:19
